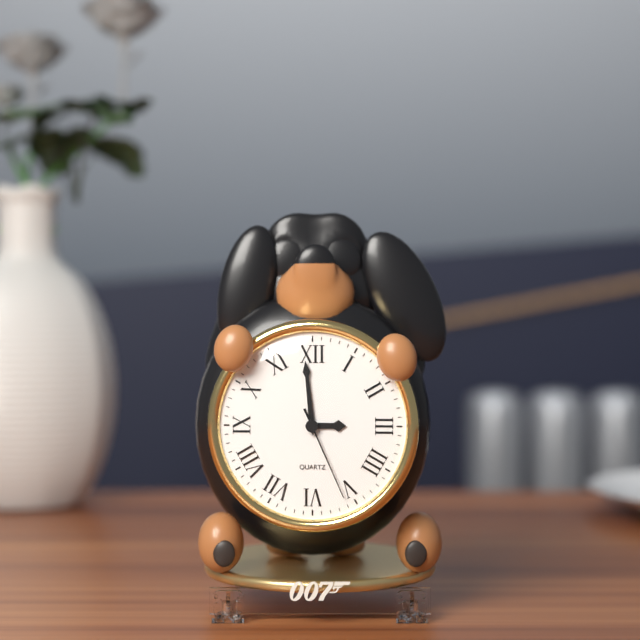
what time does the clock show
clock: 2:59:26
